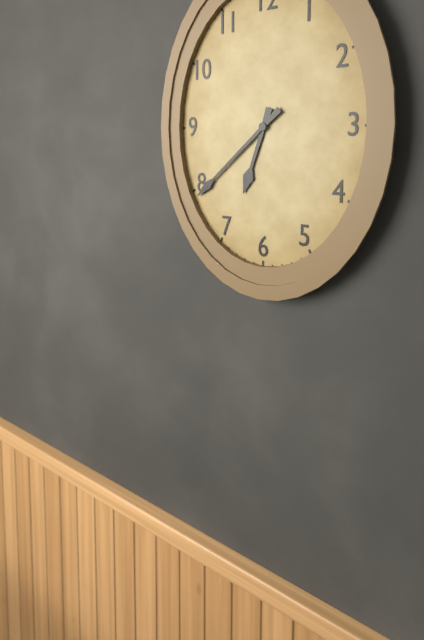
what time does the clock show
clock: 6:38
